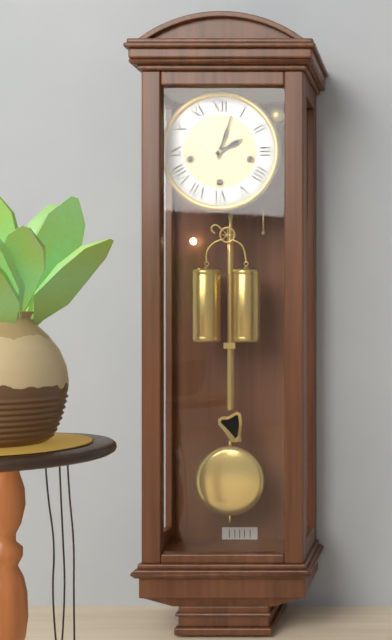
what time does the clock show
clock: 2:03
